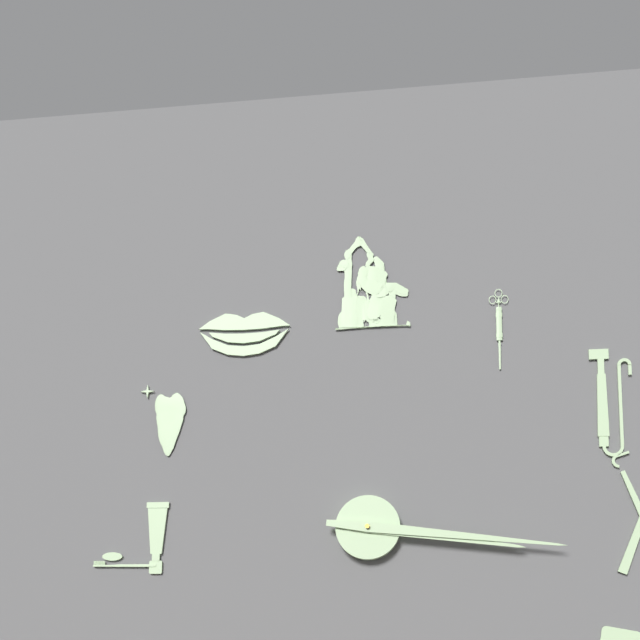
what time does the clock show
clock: 3:16
